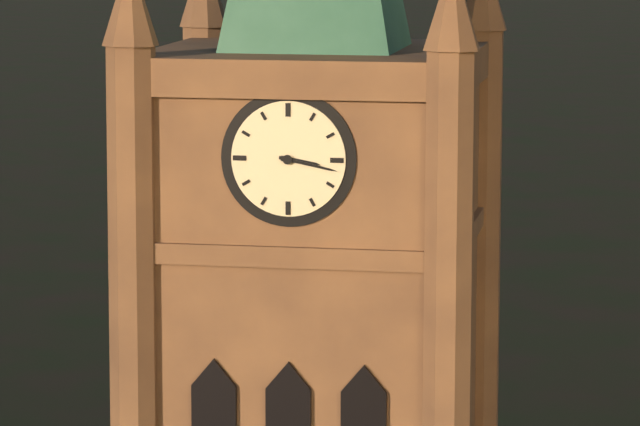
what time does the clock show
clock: 3:17
